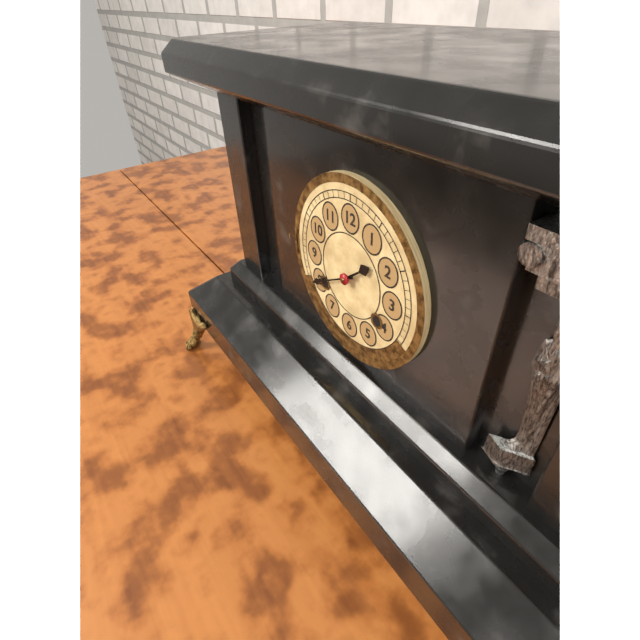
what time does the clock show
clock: 1:40
